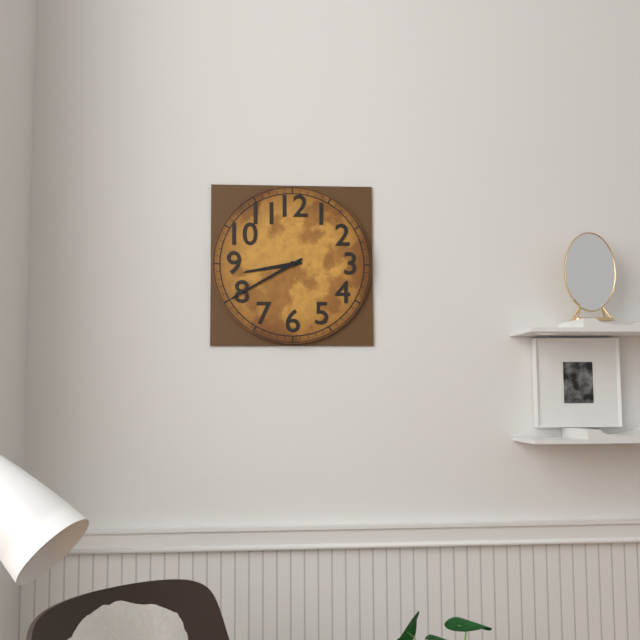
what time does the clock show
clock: 8:40
